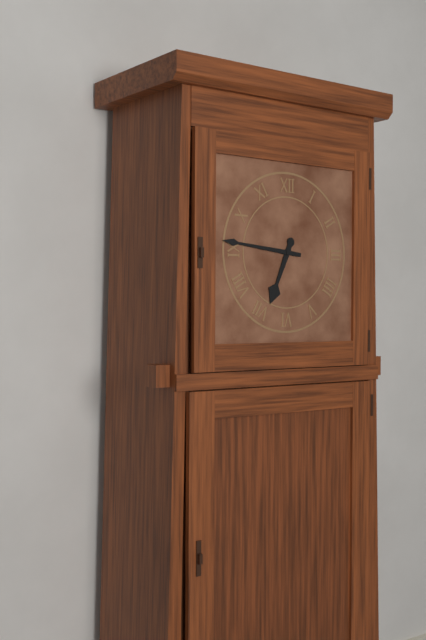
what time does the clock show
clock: 6:46
